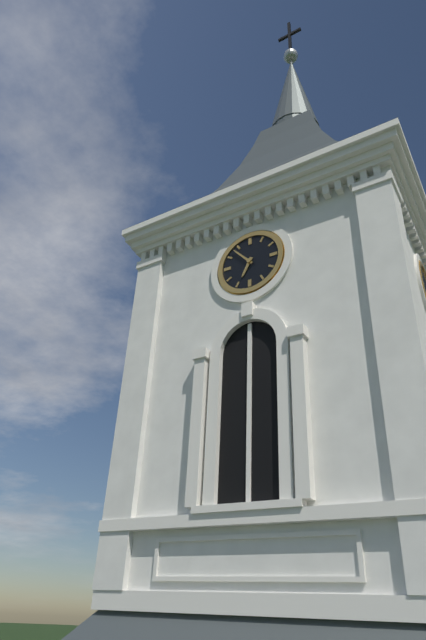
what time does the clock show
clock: 6:53
